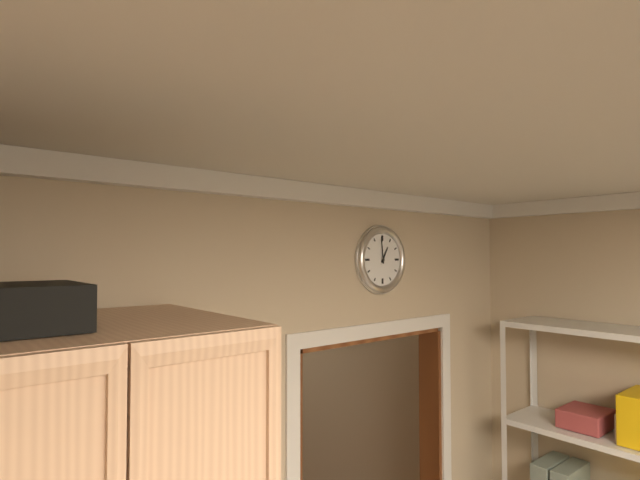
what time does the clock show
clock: 12:59
